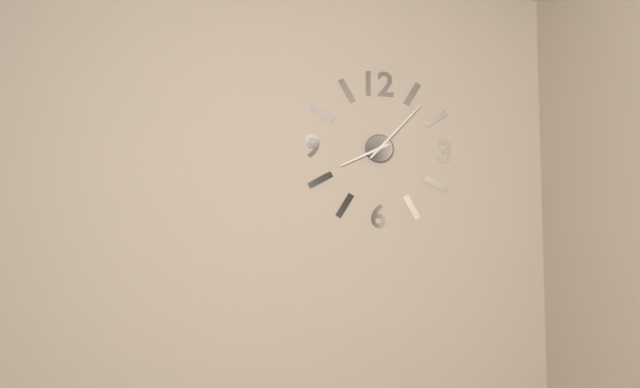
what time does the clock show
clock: 8:07
